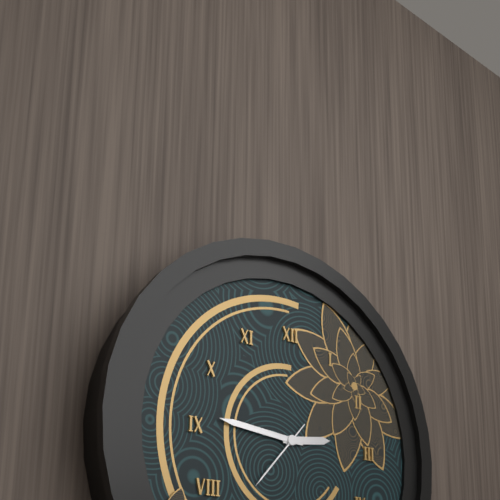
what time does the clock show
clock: 2:46:37
